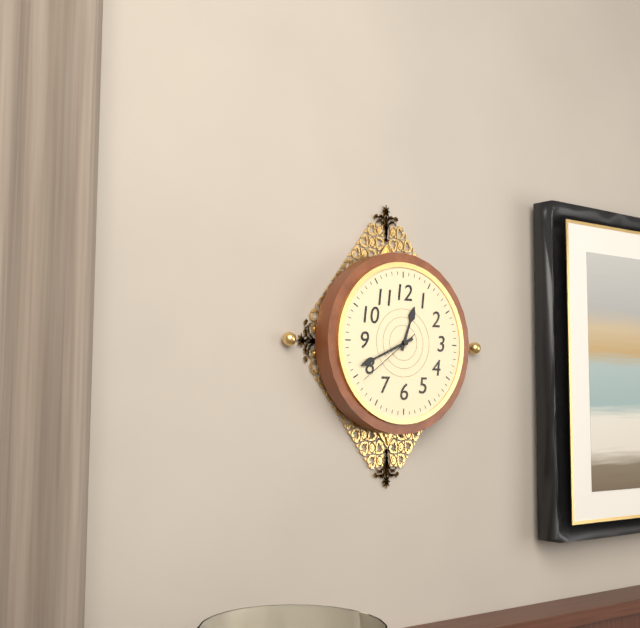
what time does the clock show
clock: 12:41:39
